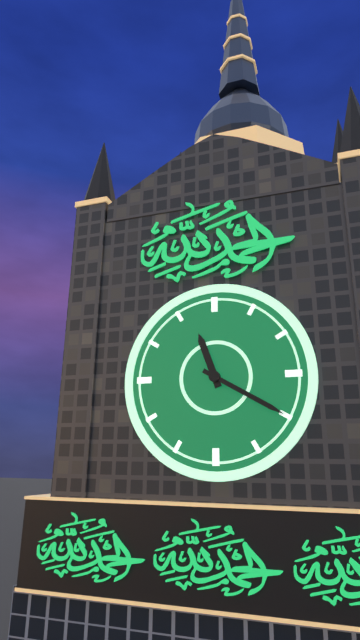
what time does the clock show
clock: 11:20
